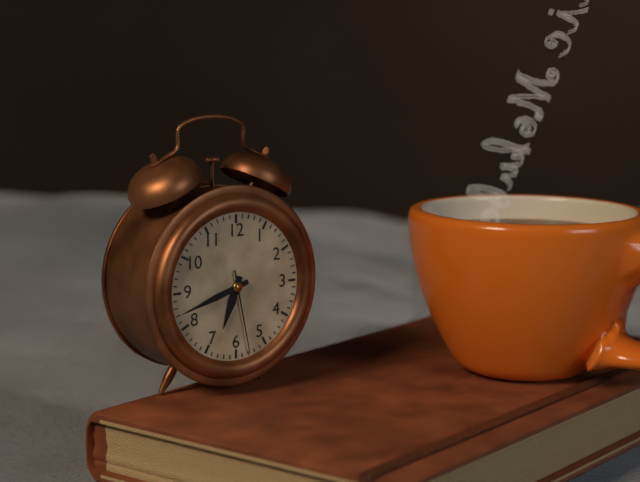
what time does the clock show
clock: 6:42:28
